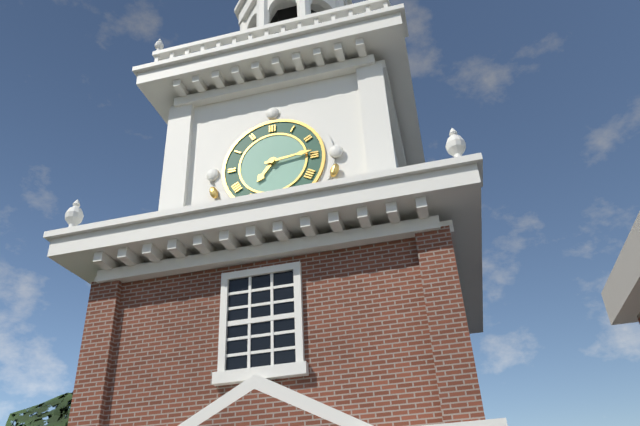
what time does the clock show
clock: 7:14
